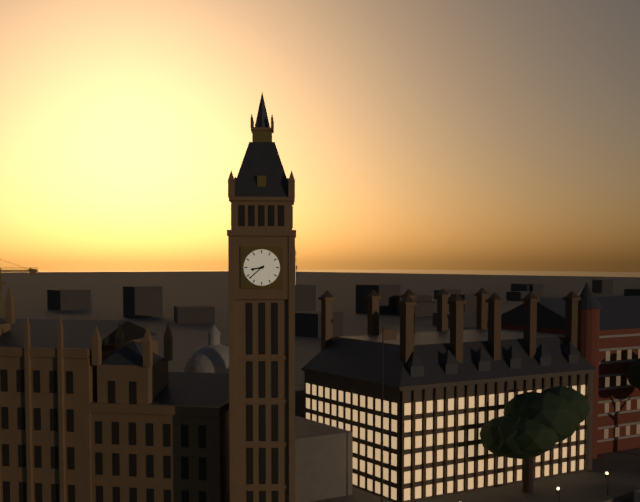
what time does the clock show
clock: 8:38
